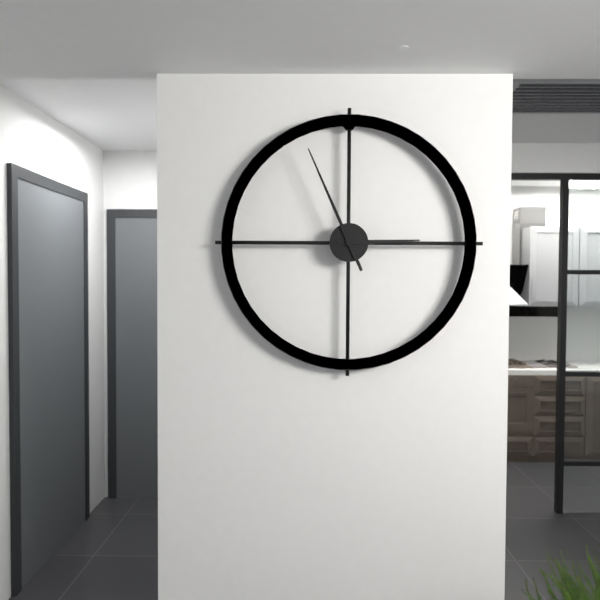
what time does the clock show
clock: 2:56
